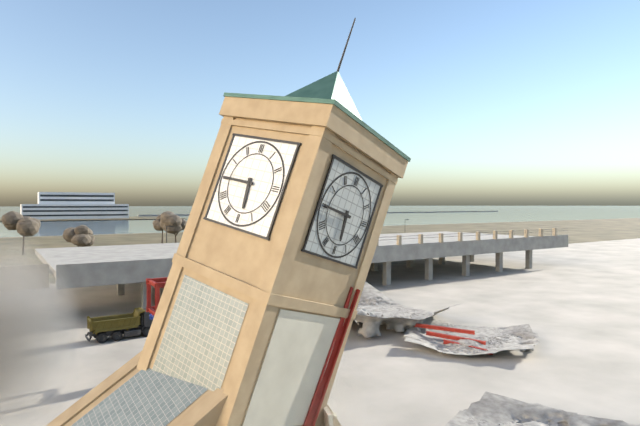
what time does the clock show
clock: 5:45
